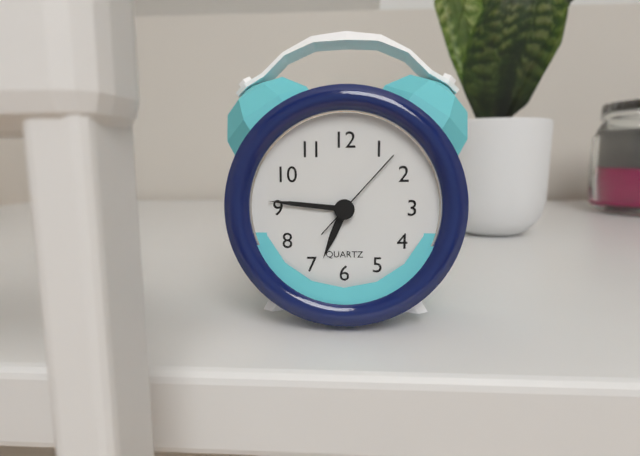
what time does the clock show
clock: 6:46:07
